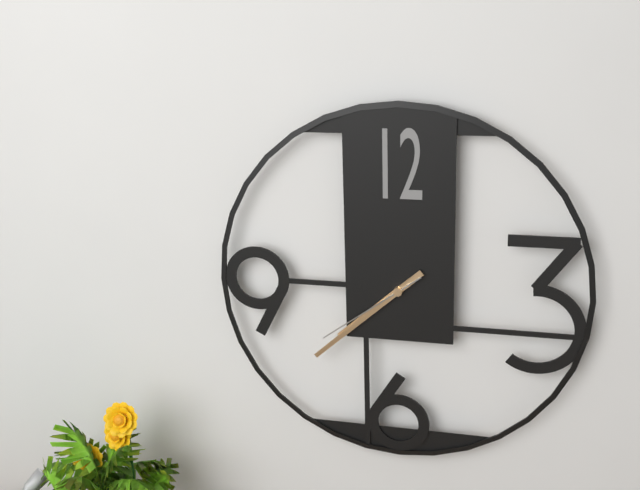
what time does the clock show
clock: 7:38:39
